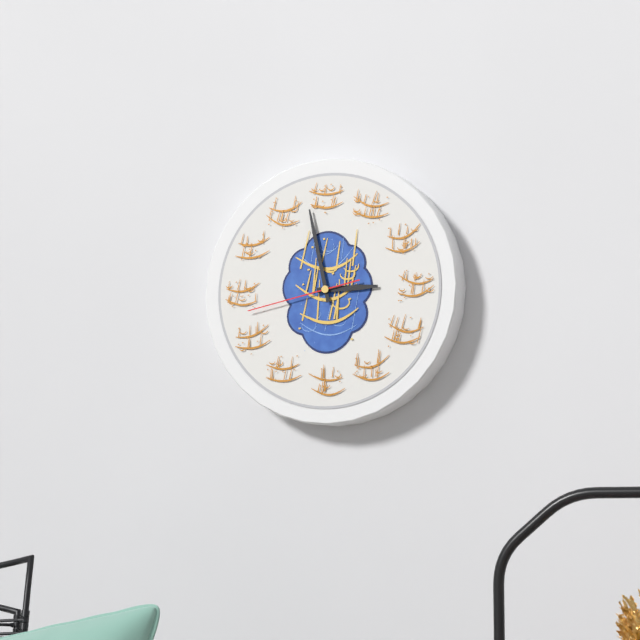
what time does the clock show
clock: 2:58:43
